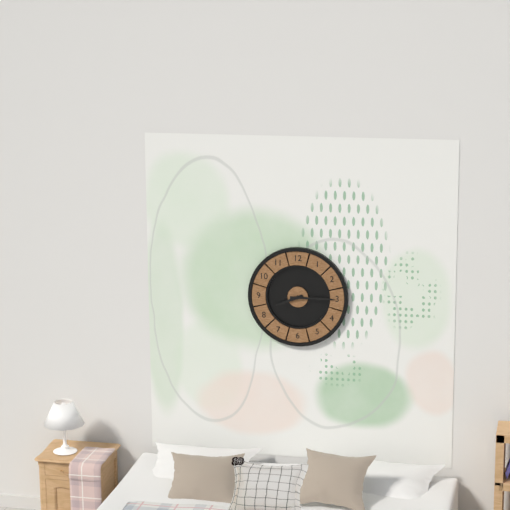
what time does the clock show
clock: 8:15
